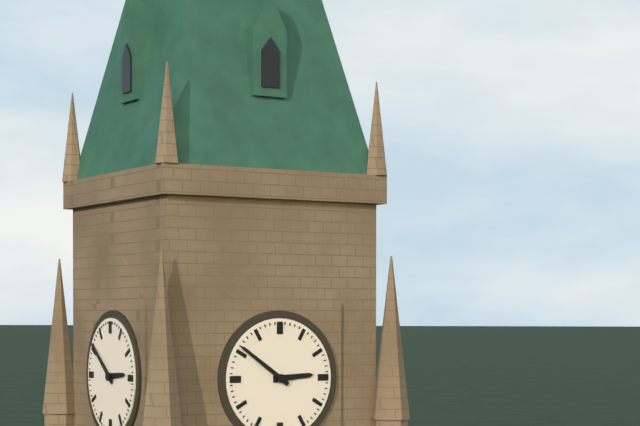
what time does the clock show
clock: 2:51
